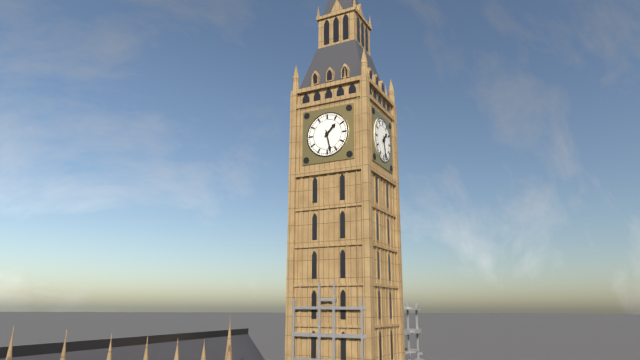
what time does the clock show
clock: 1:28
